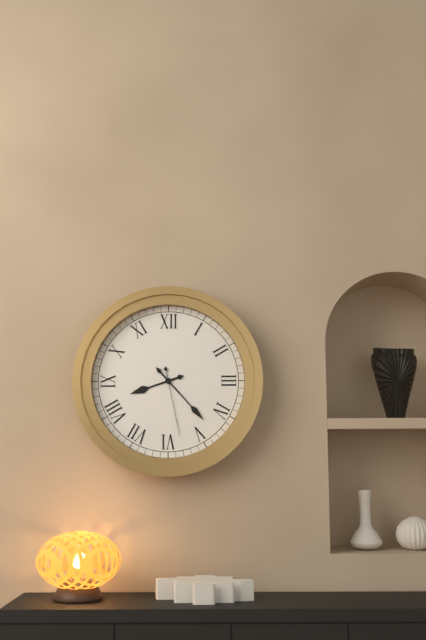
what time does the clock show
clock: 8:23:28
